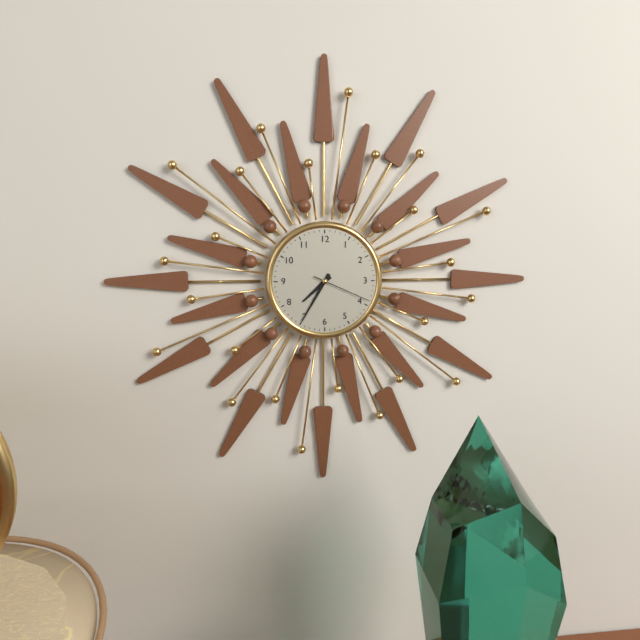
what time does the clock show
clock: 7:35:19
